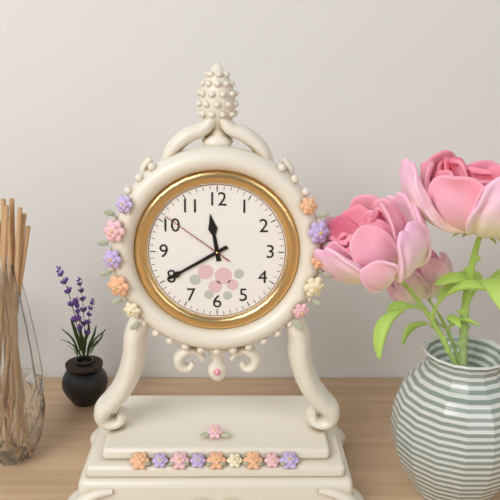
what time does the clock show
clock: 11:40:51
